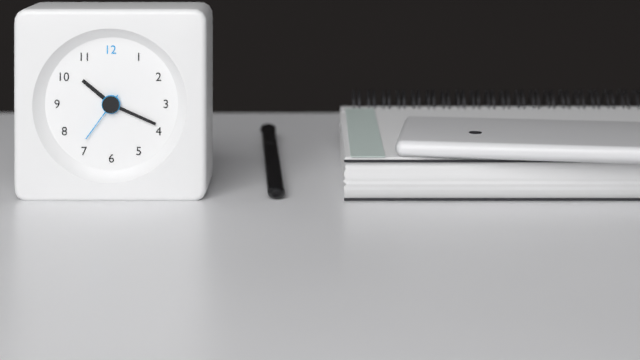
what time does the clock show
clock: 10:19:36
